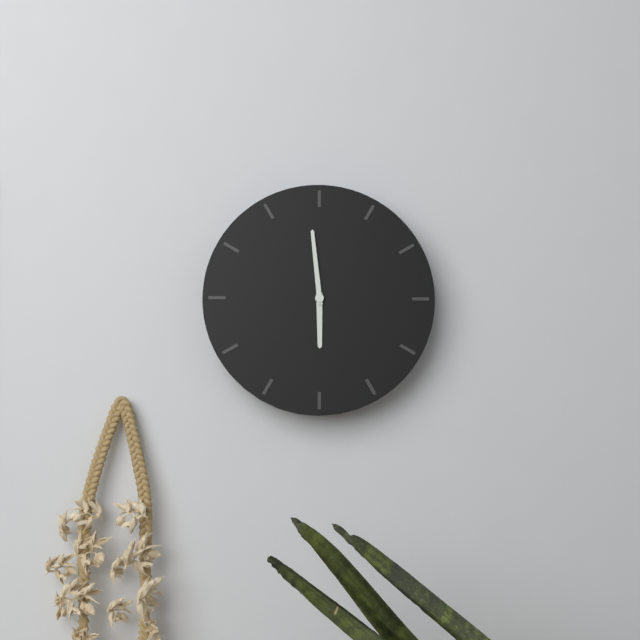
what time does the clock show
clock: 5:59
